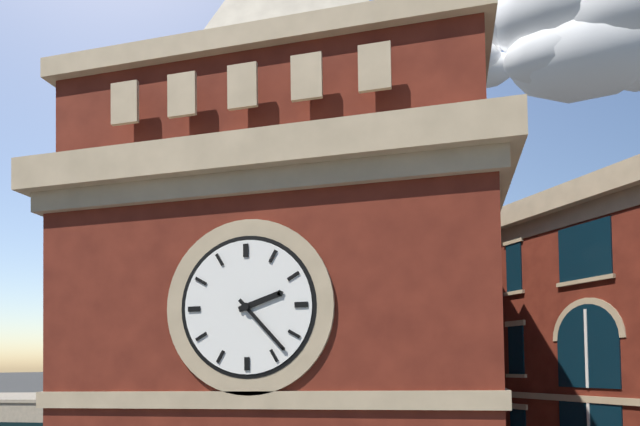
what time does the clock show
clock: 2:23
